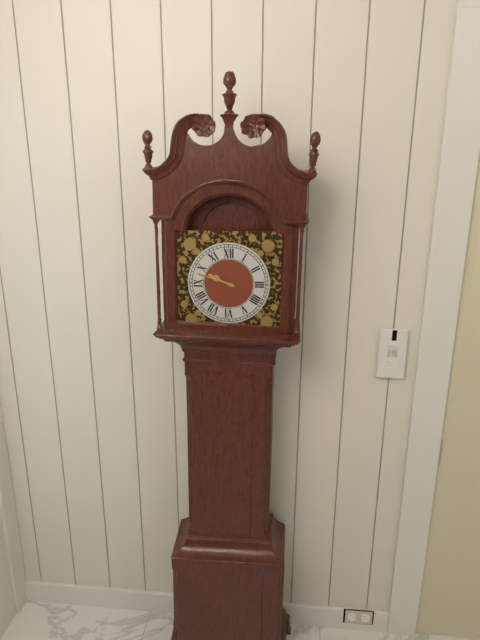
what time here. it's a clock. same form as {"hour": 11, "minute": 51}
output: {"hour": 9, "minute": 48}
